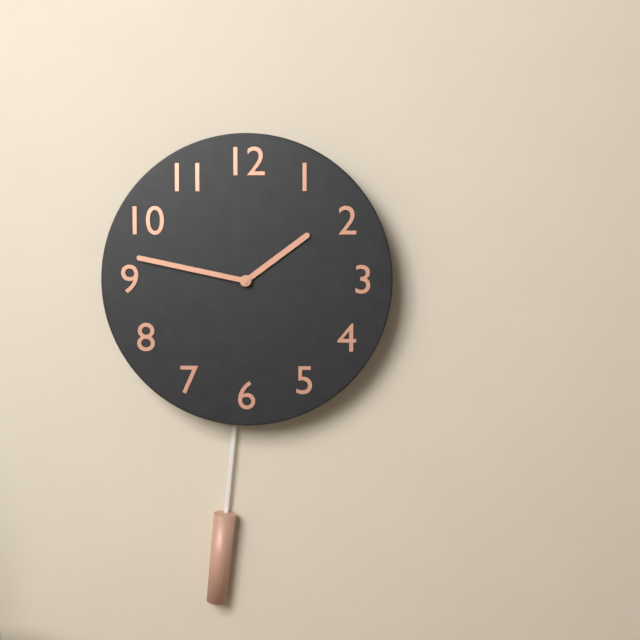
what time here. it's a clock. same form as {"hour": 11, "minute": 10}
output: {"hour": 1, "minute": 47}
